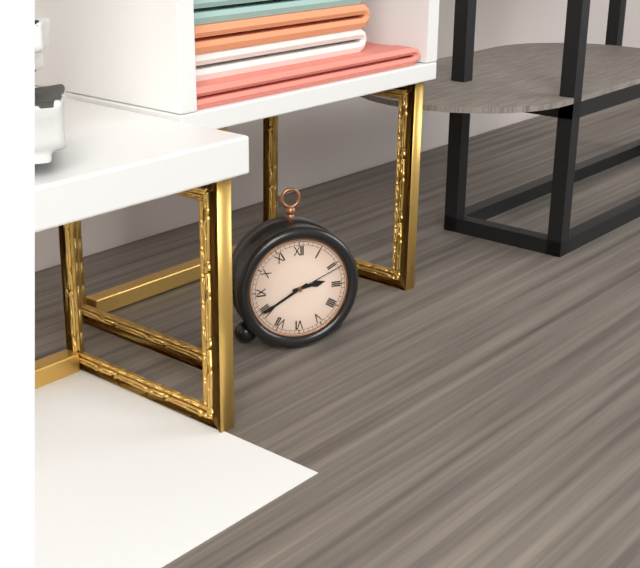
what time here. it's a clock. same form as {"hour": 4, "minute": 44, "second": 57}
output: {"hour": 2, "minute": 40, "second": 11}
